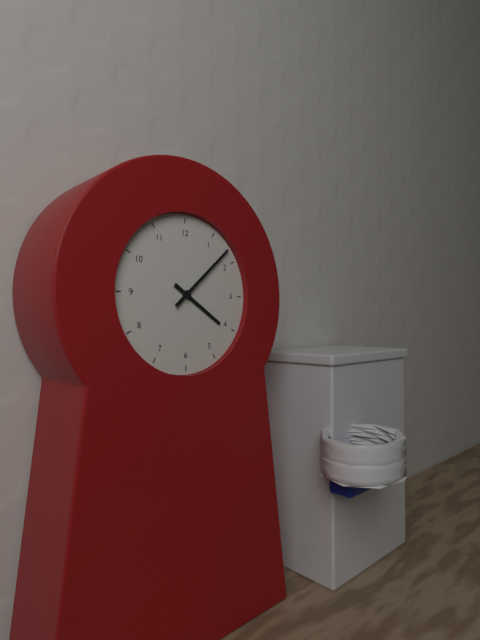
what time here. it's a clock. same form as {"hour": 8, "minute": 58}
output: {"hour": 4, "minute": 8}
